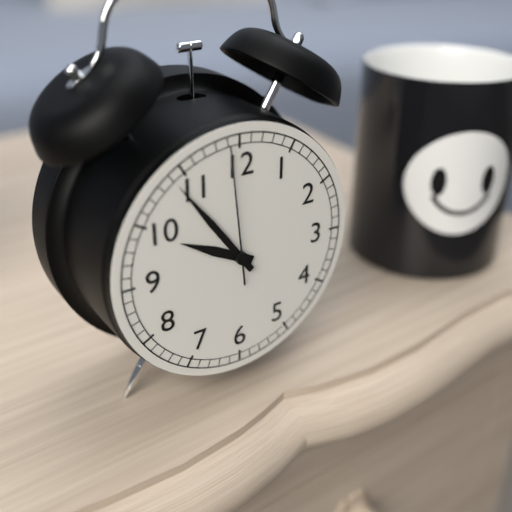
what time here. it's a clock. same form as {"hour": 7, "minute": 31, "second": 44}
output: {"hour": 9, "minute": 54, "second": 59}
